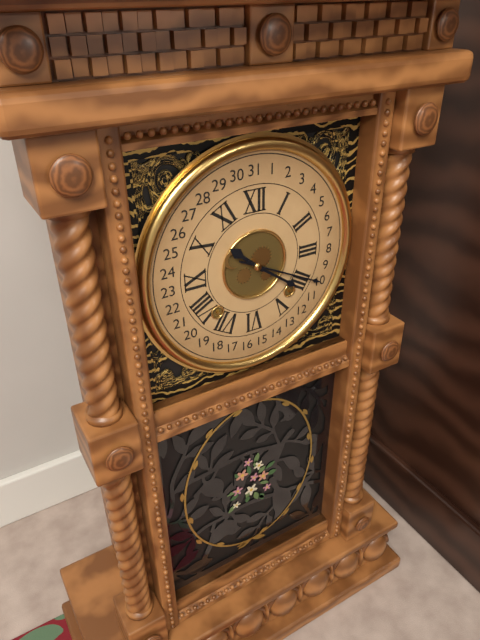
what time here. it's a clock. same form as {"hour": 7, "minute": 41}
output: {"hour": 10, "minute": 21}
